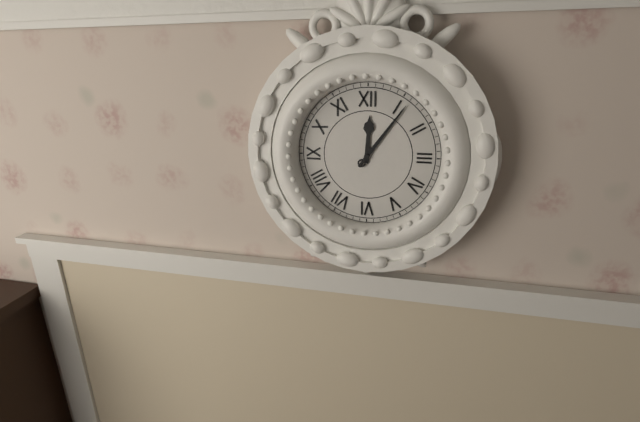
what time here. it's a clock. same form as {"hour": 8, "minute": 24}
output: {"hour": 12, "minute": 6}
